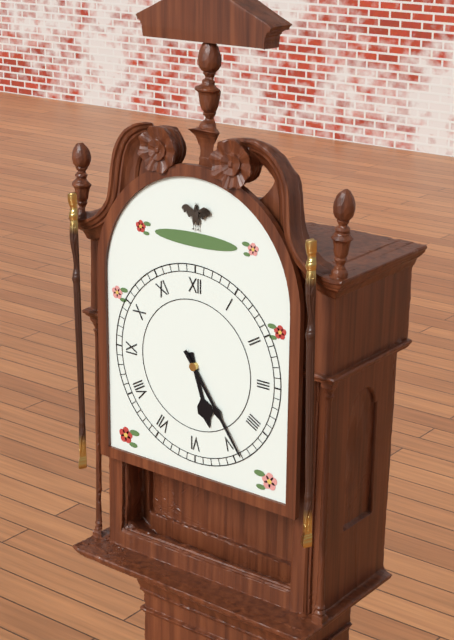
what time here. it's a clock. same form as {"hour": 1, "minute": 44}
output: {"hour": 5, "minute": 24}
